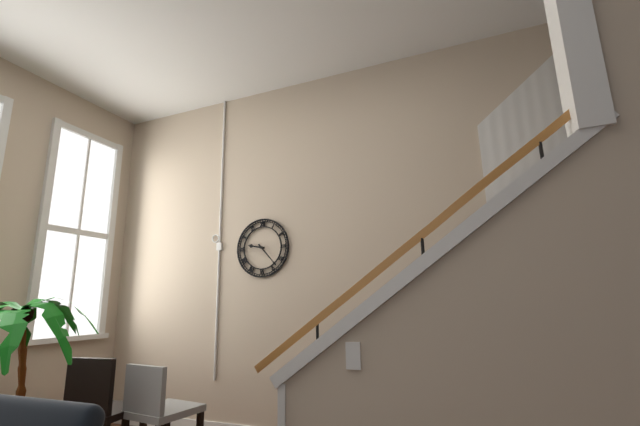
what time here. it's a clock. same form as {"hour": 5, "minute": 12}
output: {"hour": 9, "minute": 23}
